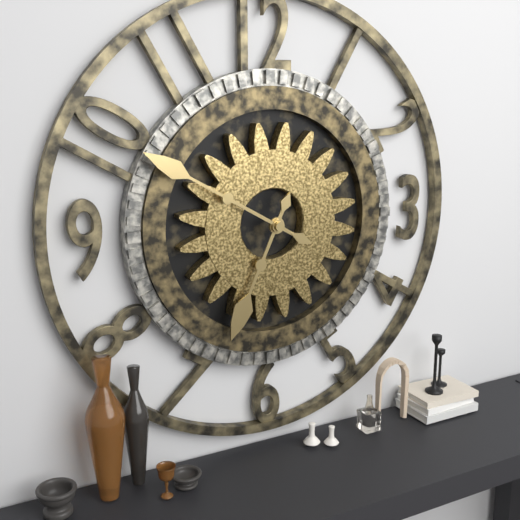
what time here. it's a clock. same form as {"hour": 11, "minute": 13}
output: {"hour": 6, "minute": 50}
